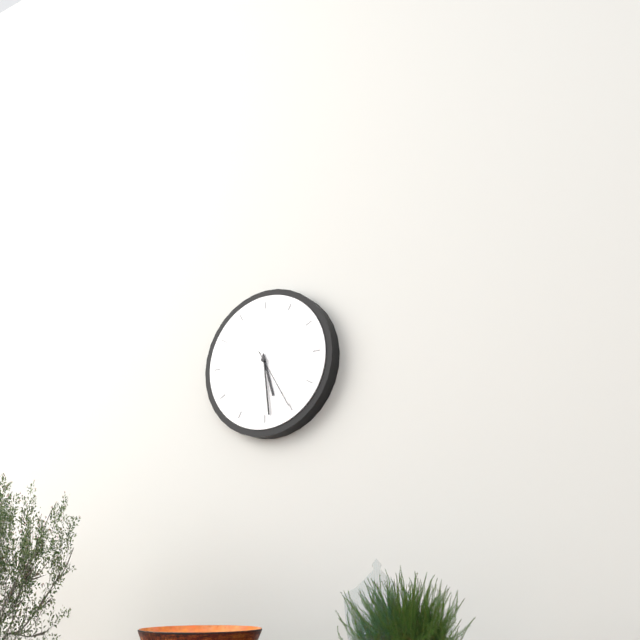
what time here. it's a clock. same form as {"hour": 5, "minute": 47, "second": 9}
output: {"hour": 5, "minute": 29, "second": 25}
